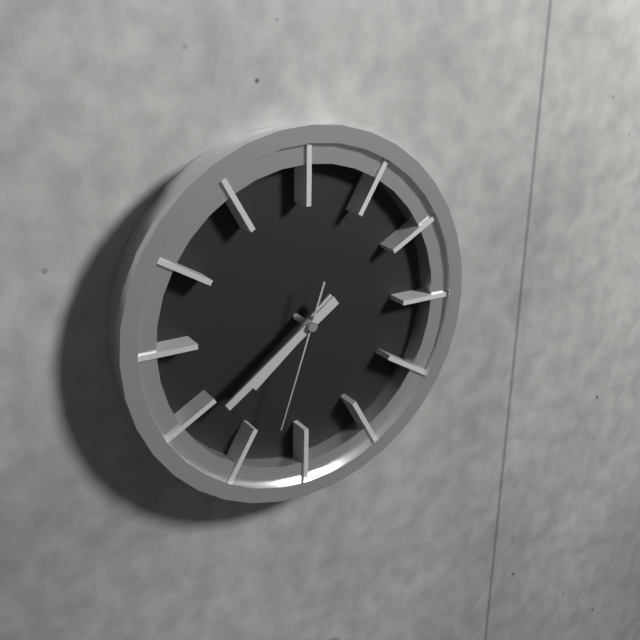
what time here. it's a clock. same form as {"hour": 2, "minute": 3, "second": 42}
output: {"hour": 7, "minute": 39, "second": 33}
